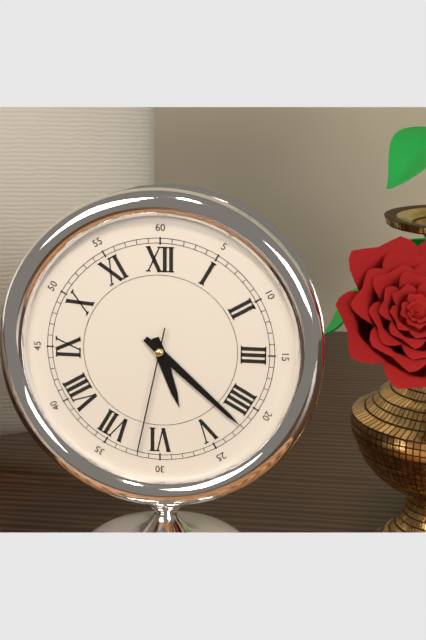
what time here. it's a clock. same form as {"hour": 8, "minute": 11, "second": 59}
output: {"hour": 5, "minute": 22, "second": 32}
